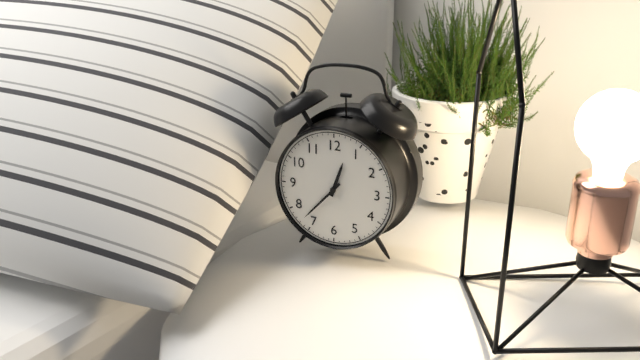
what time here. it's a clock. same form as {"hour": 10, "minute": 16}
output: {"hour": 12, "minute": 37}
